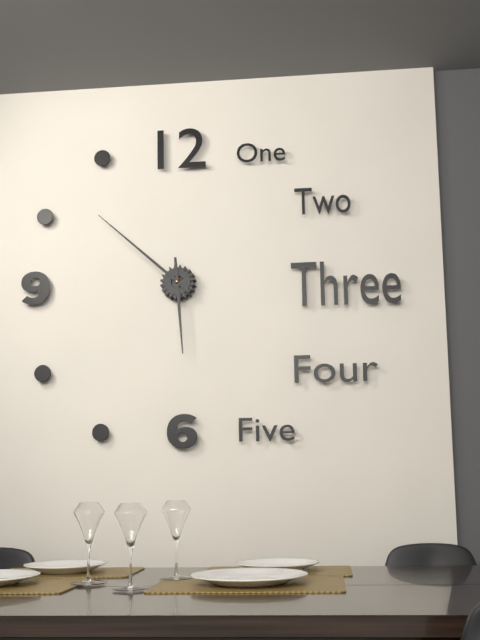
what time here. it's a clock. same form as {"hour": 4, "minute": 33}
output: {"hour": 5, "minute": 52}
